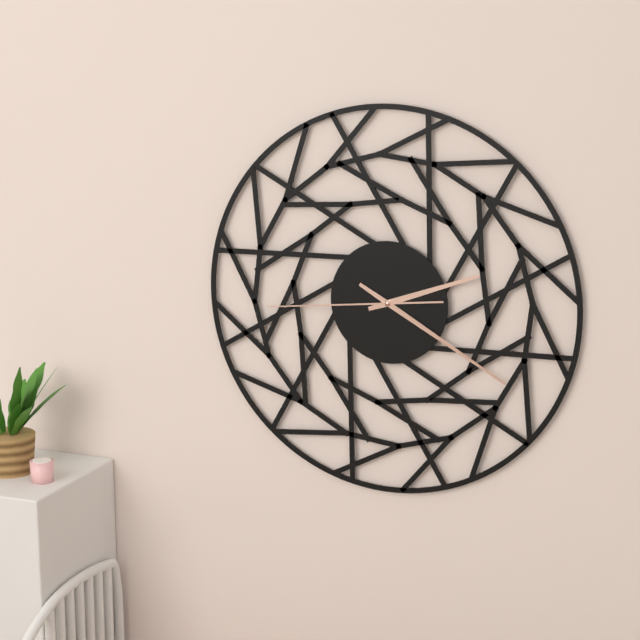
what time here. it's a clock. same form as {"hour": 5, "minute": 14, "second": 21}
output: {"hour": 2, "minute": 20, "second": 44}
